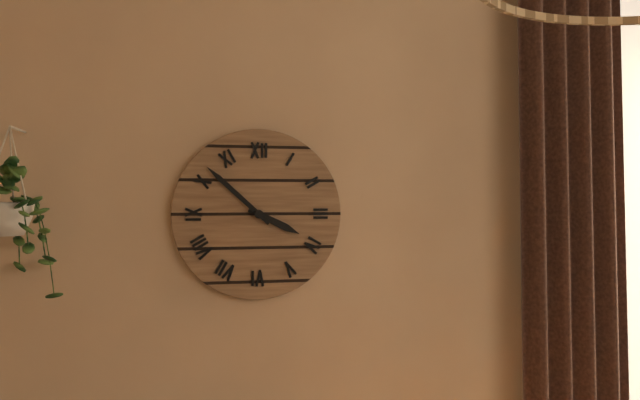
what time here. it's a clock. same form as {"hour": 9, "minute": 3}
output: {"hour": 3, "minute": 52}
